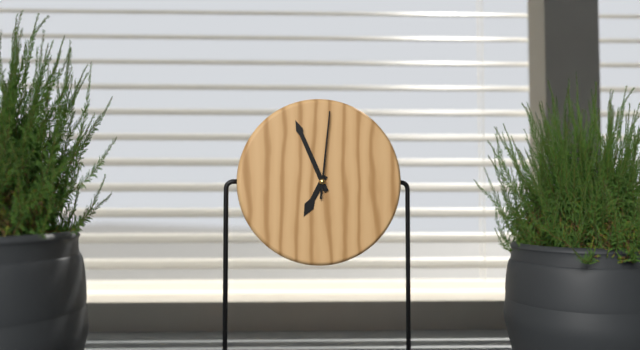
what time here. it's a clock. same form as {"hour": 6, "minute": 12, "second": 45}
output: {"hour": 6, "minute": 56, "second": 1}
